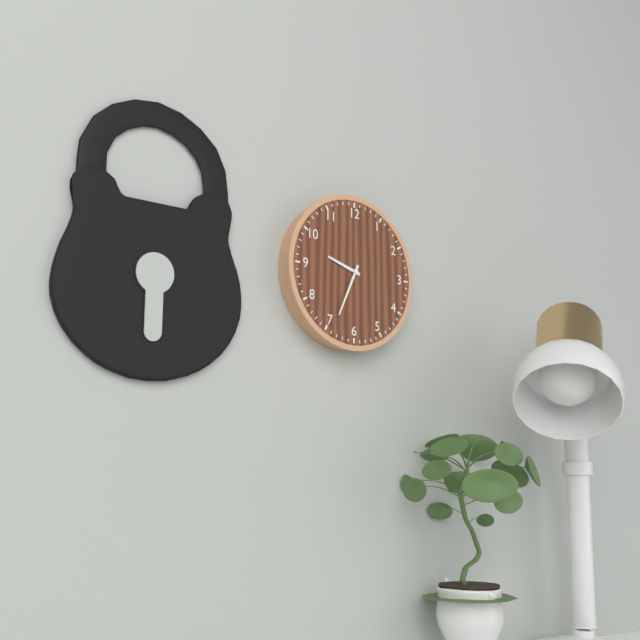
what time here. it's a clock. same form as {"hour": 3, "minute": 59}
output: {"hour": 9, "minute": 34}
